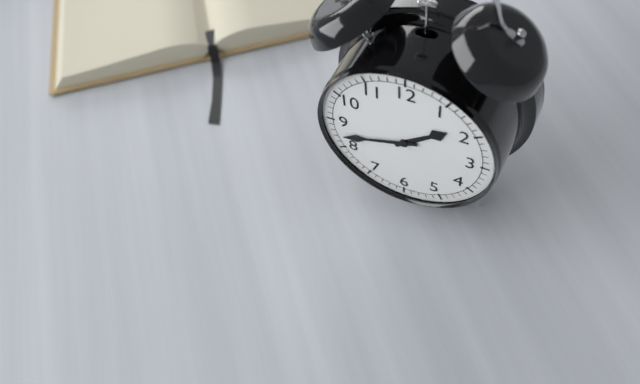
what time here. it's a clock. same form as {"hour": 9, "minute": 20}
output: {"hour": 1, "minute": 42}
